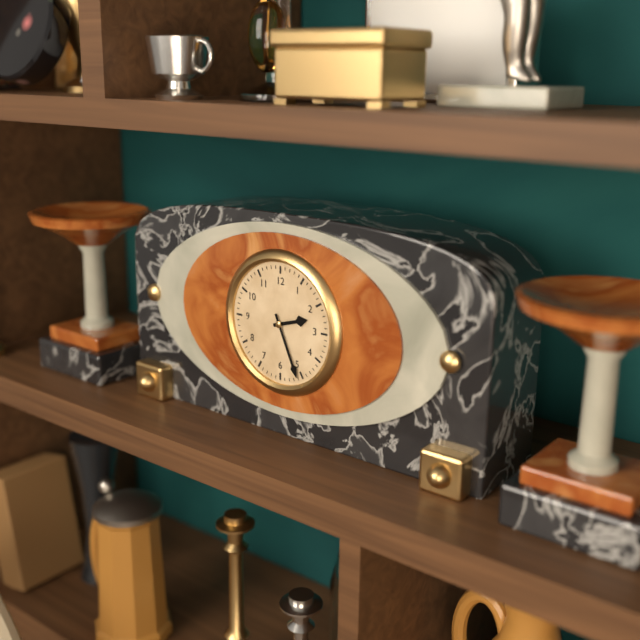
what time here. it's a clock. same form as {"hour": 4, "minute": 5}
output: {"hour": 2, "minute": 26}
